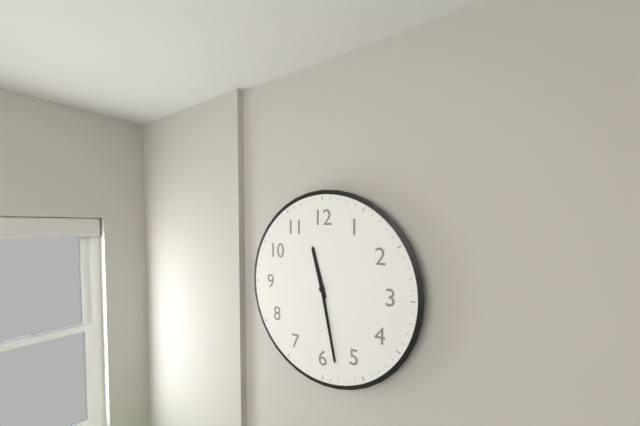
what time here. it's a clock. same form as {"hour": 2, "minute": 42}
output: {"hour": 11, "minute": 28}
